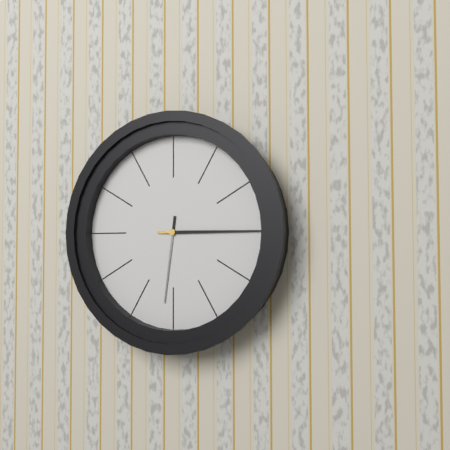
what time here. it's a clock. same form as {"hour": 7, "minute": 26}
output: {"hour": 6, "minute": 15}
